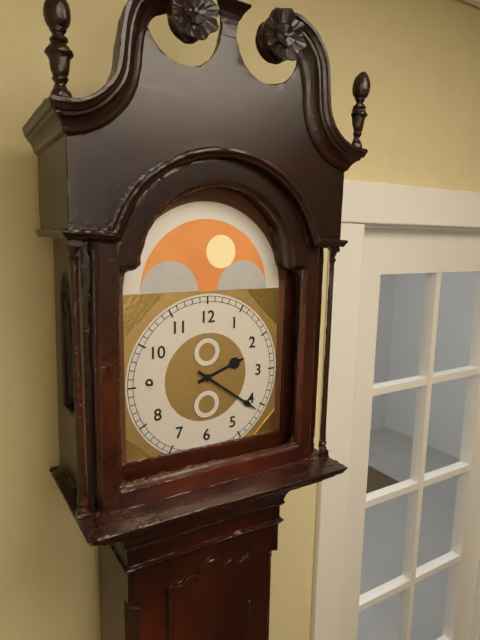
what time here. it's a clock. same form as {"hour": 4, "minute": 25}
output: {"hour": 2, "minute": 21}
